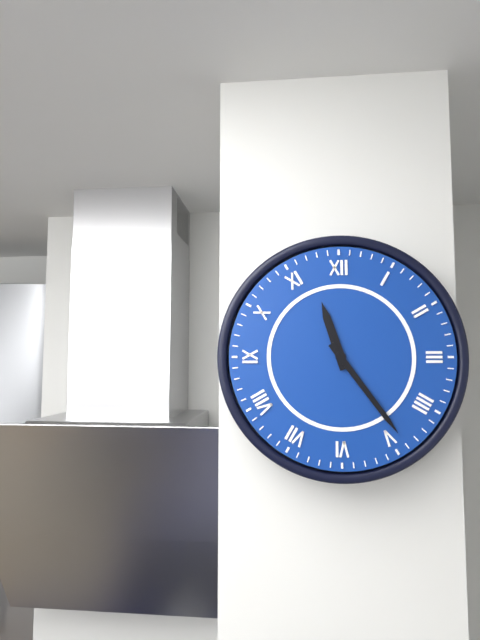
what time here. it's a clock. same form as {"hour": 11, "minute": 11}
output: {"hour": 11, "minute": 24}
